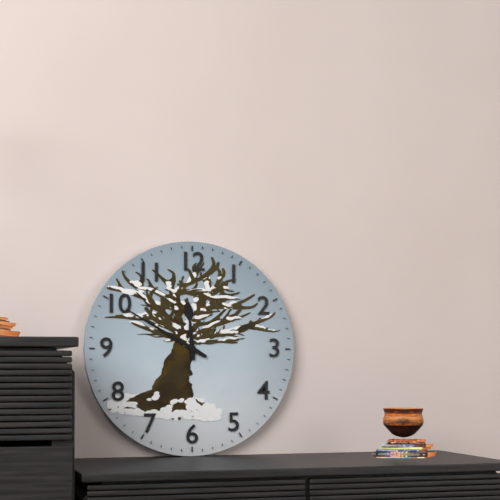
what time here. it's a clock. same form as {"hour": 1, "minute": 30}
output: {"hour": 11, "minute": 50}
